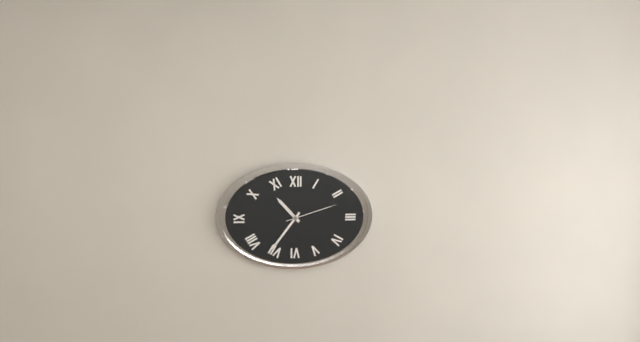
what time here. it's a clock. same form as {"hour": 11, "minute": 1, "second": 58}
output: {"hour": 10, "minute": 36, "second": 12}
